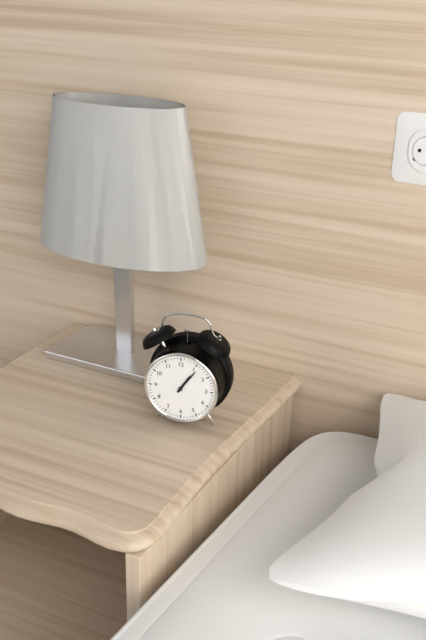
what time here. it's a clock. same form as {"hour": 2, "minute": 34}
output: {"hour": 1, "minute": 6}
